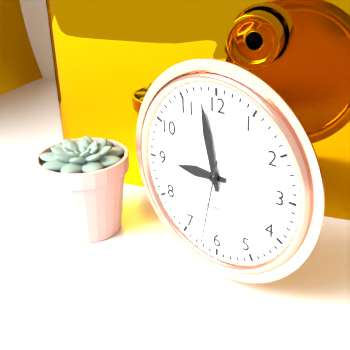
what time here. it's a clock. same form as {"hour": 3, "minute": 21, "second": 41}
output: {"hour": 8, "minute": 58, "second": 32}
